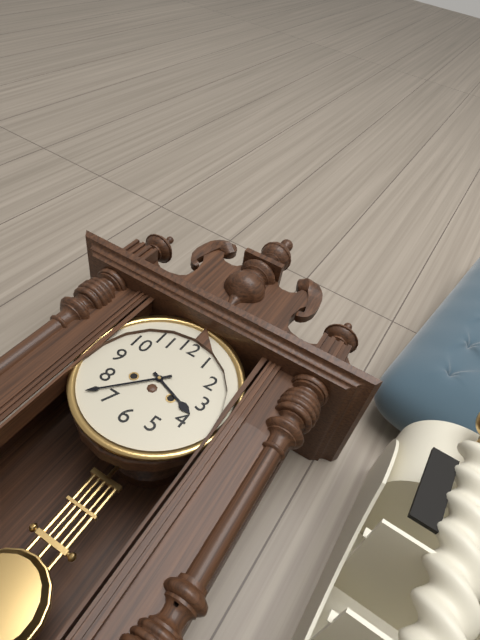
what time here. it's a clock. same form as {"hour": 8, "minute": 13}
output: {"hour": 3, "minute": 37}
